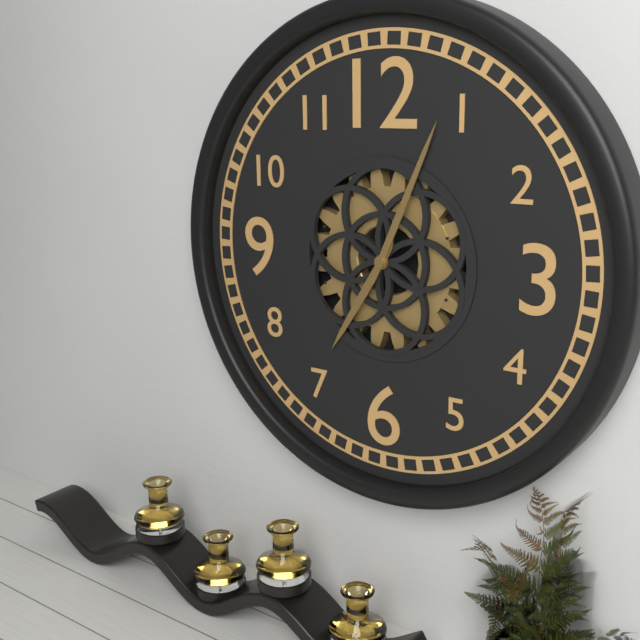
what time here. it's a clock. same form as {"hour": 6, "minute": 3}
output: {"hour": 7, "minute": 4}
